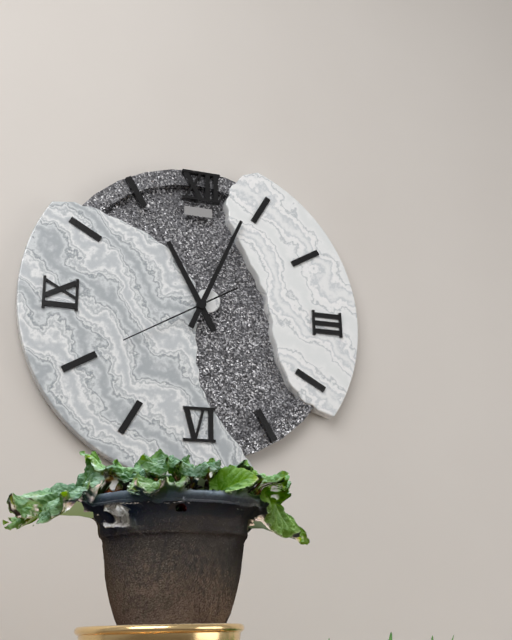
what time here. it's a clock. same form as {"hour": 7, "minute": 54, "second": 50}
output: {"hour": 11, "minute": 4, "second": 40}
